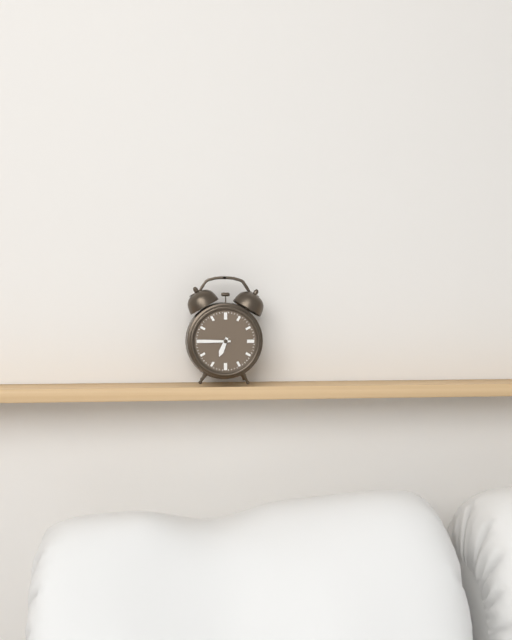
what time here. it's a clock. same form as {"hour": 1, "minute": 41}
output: {"hour": 6, "minute": 45}
